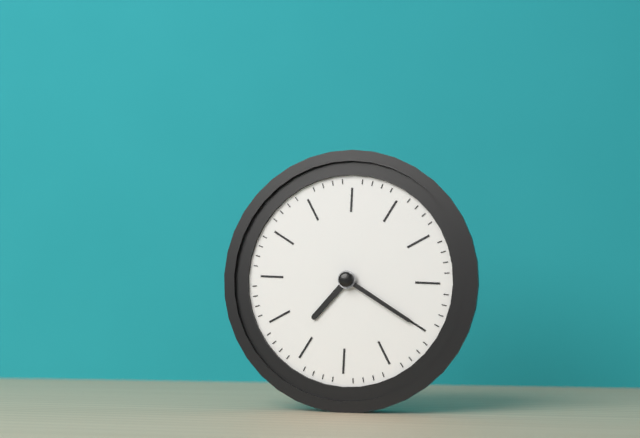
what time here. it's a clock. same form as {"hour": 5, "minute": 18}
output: {"hour": 7, "minute": 20}
